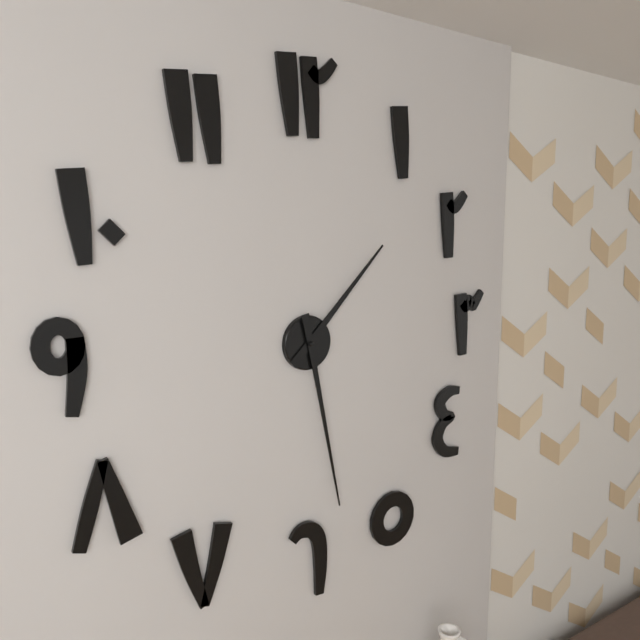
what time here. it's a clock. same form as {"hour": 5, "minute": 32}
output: {"hour": 1, "minute": 28}
